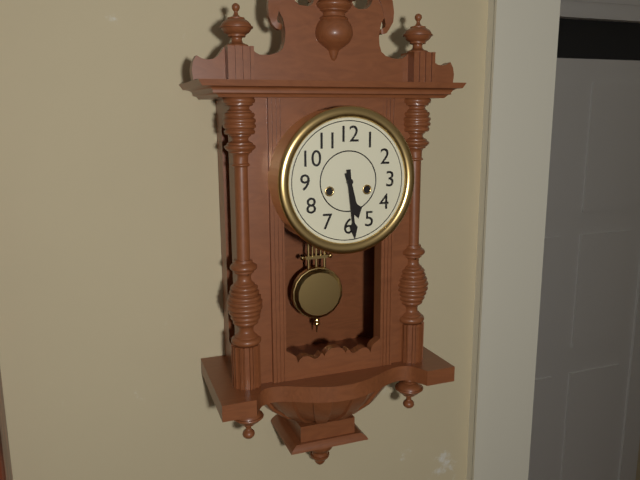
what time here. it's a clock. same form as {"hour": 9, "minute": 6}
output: {"hour": 5, "minute": 29}
